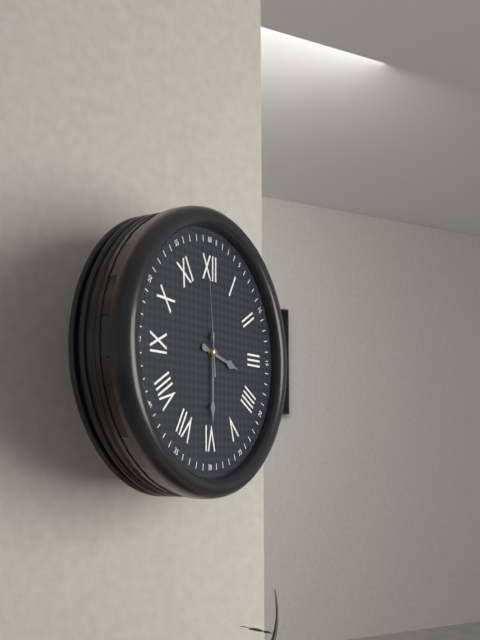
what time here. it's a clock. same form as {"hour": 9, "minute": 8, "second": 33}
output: {"hour": 3, "minute": 30, "second": 59}
